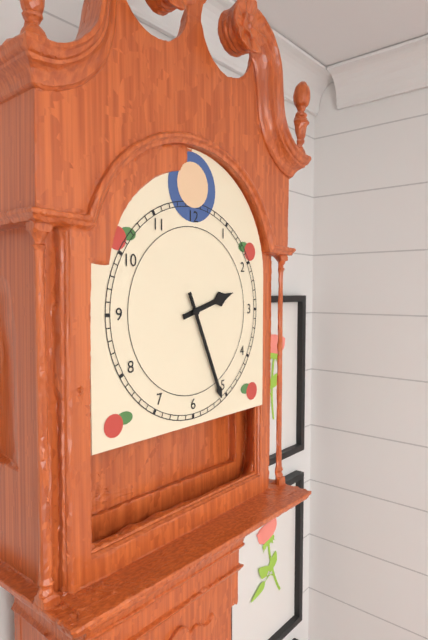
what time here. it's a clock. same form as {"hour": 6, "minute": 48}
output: {"hour": 2, "minute": 26}
